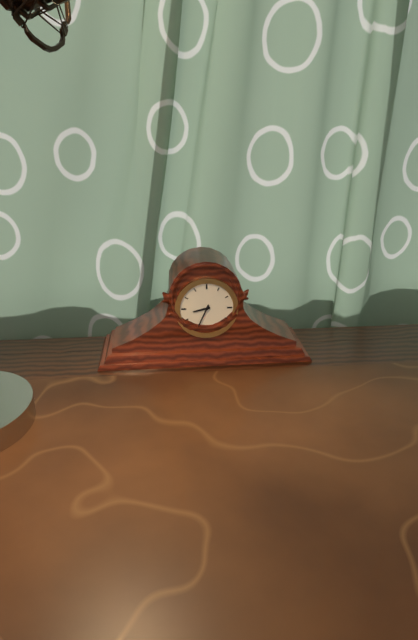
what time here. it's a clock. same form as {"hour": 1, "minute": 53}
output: {"hour": 8, "minute": 34}
